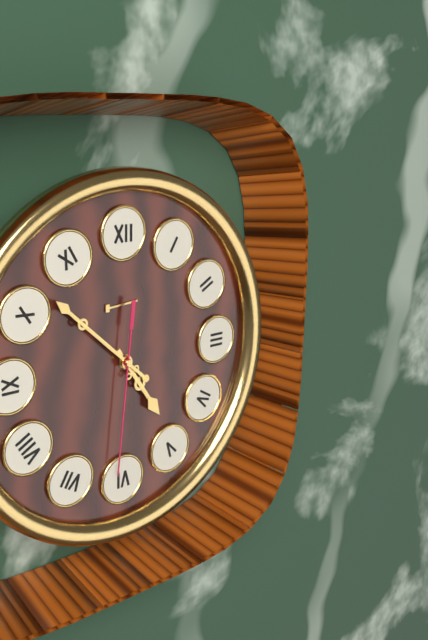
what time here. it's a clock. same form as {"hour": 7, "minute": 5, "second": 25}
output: {"hour": 4, "minute": 52, "second": 31}
